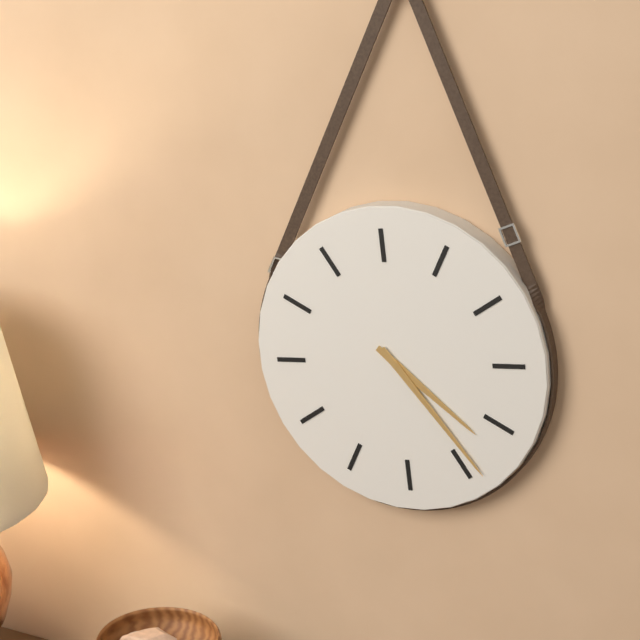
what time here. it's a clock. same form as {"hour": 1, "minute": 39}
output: {"hour": 4, "minute": 24}
